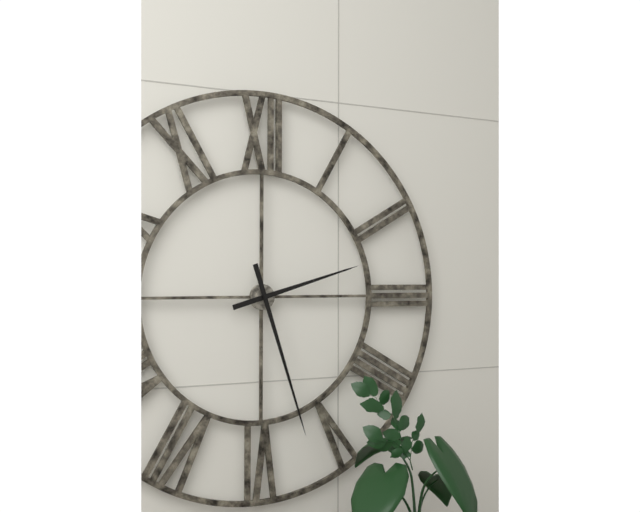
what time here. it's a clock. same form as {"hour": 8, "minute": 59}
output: {"hour": 2, "minute": 27}
